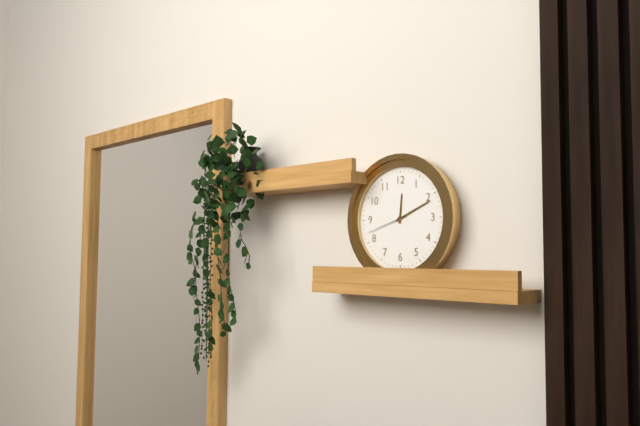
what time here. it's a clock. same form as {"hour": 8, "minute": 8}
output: {"hour": 12, "minute": 11}
